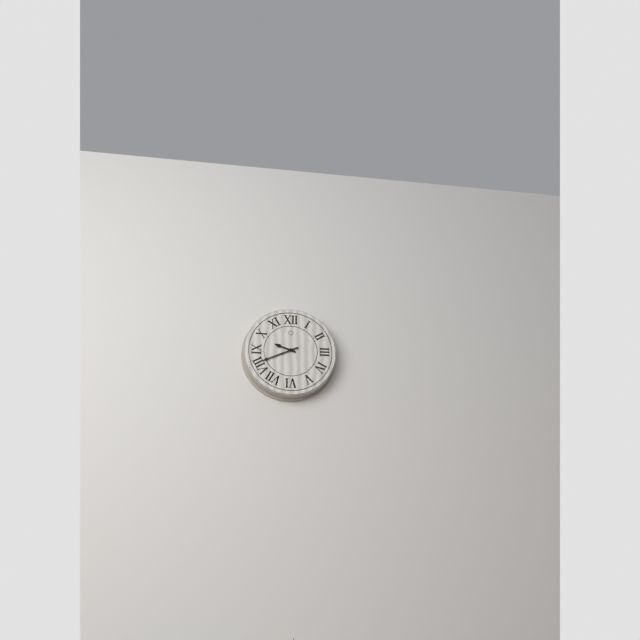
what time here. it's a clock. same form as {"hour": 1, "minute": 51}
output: {"hour": 9, "minute": 41}
